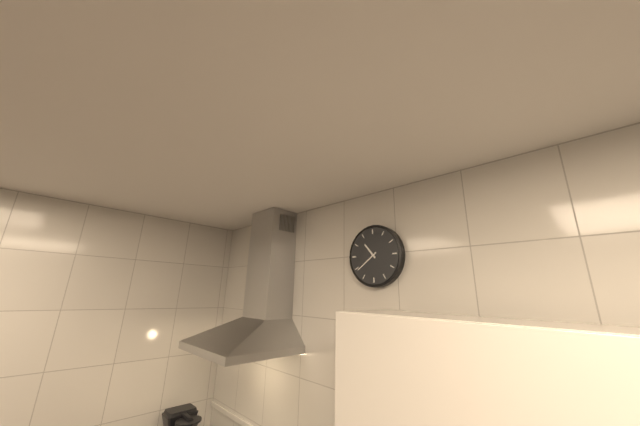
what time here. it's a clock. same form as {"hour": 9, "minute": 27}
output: {"hour": 10, "minute": 39}
